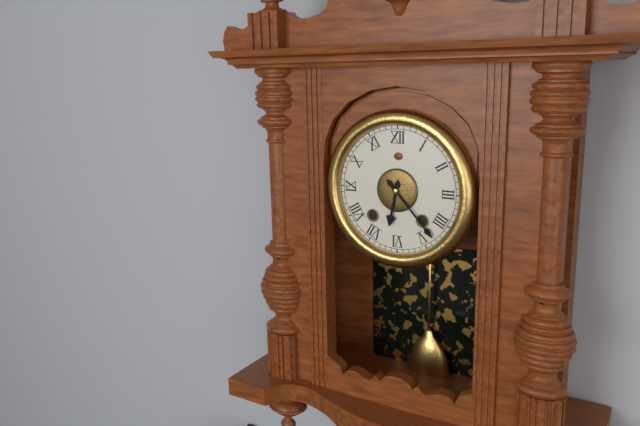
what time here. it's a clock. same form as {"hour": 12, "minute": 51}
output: {"hour": 6, "minute": 23}
